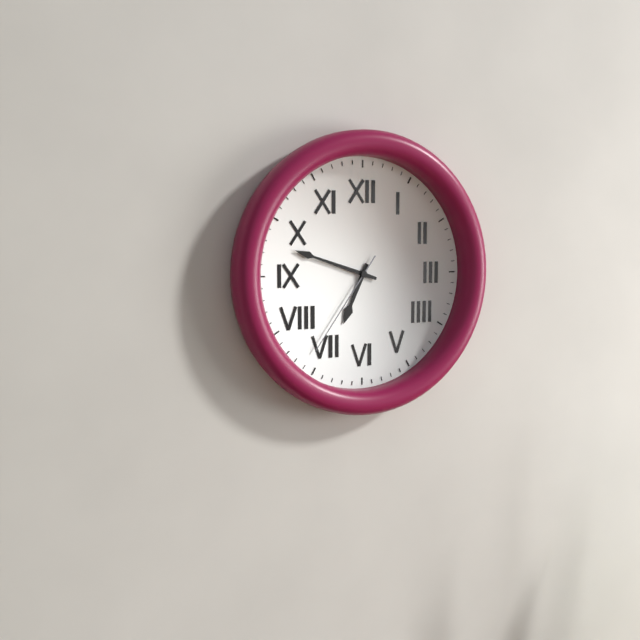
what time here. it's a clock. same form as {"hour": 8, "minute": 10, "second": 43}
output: {"hour": 6, "minute": 48, "second": 36}
